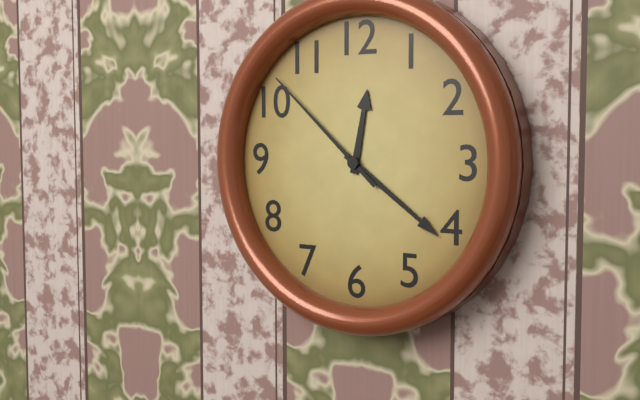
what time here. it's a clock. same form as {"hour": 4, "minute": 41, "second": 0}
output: {"hour": 12, "minute": 21, "second": 52}
